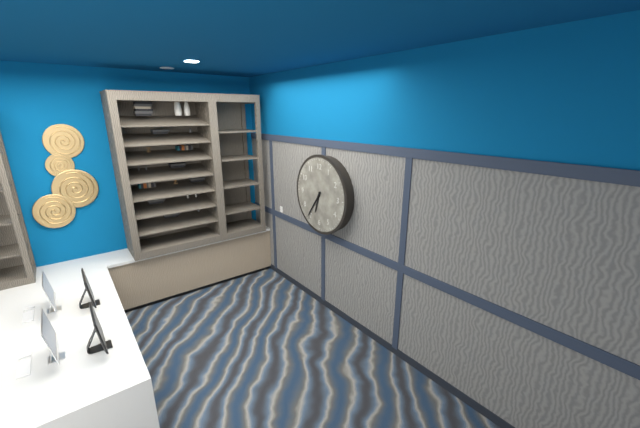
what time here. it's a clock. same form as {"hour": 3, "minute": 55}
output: {"hour": 6, "minute": 36}
